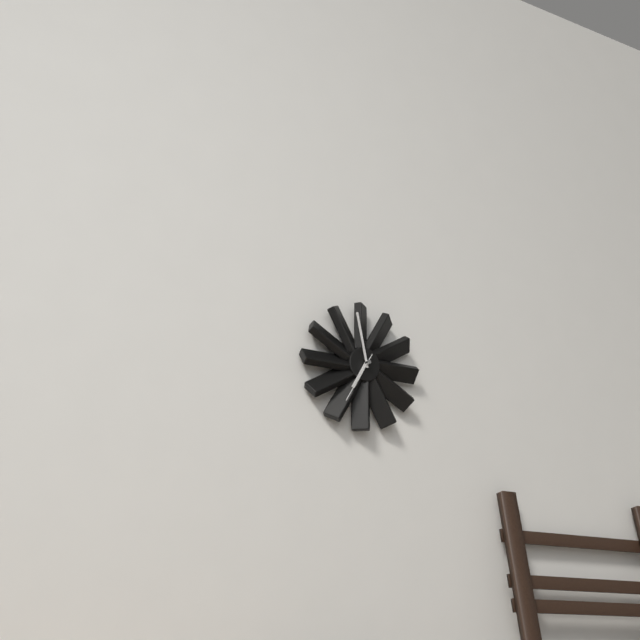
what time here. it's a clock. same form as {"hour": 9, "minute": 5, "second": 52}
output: {"hour": 6, "minute": 58, "second": 35}
